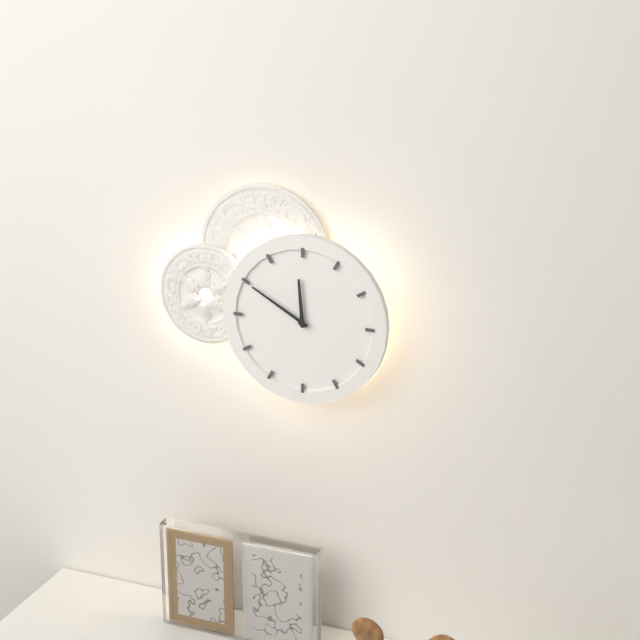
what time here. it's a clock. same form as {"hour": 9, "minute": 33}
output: {"hour": 11, "minute": 50}
